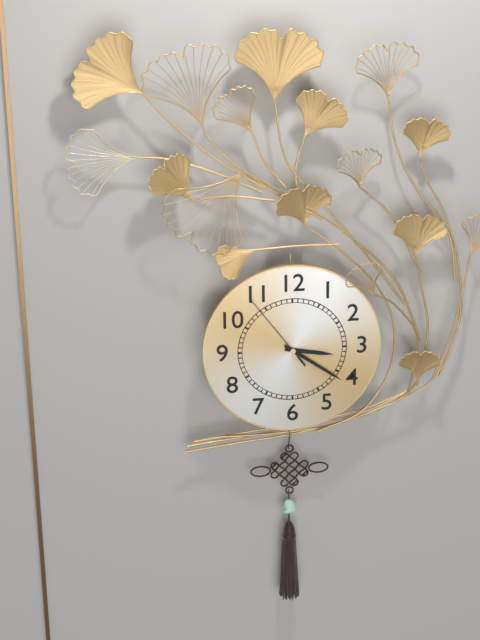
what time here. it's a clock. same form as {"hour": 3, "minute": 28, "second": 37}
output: {"hour": 3, "minute": 21, "second": 54}
